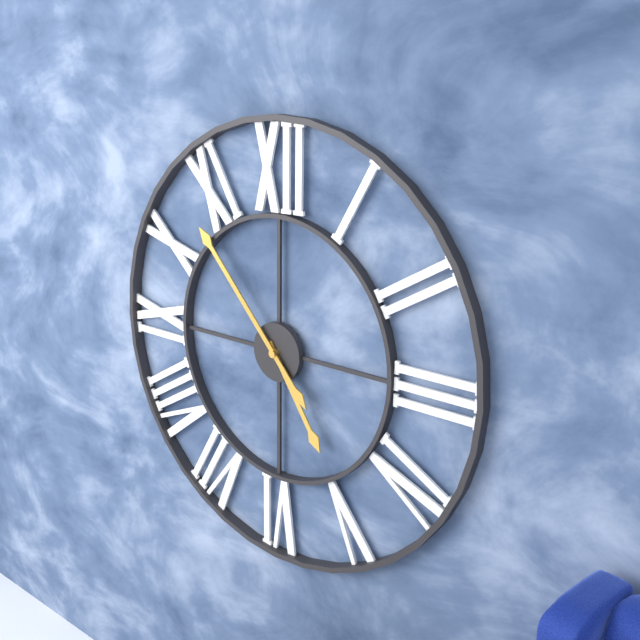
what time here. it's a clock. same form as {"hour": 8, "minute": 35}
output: {"hour": 4, "minute": 53}
